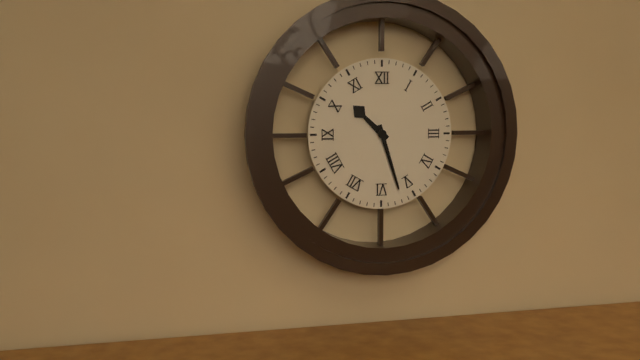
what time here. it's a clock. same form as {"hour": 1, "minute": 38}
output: {"hour": 10, "minute": 27}
